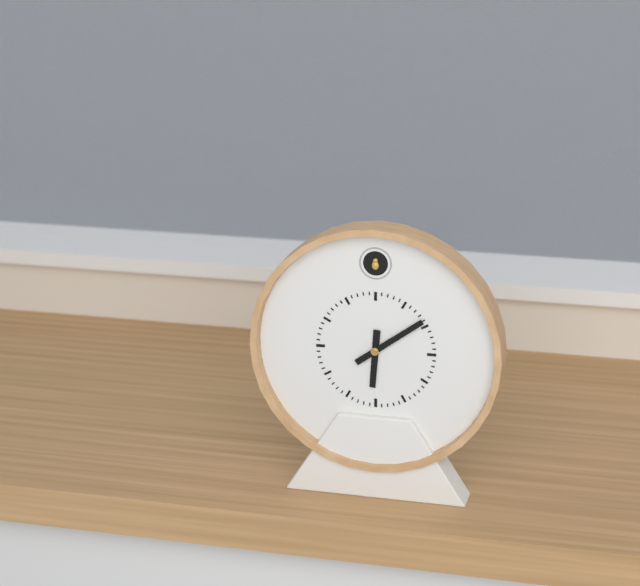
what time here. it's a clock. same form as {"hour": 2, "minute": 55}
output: {"hour": 6, "minute": 9}
